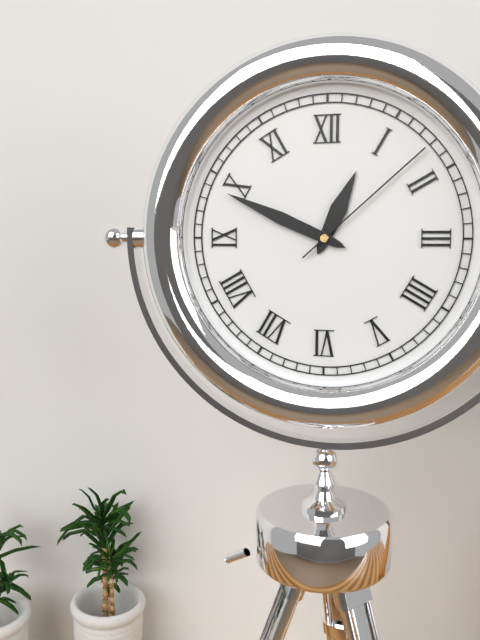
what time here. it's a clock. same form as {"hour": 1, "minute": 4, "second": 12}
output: {"hour": 12, "minute": 49, "second": 8}
